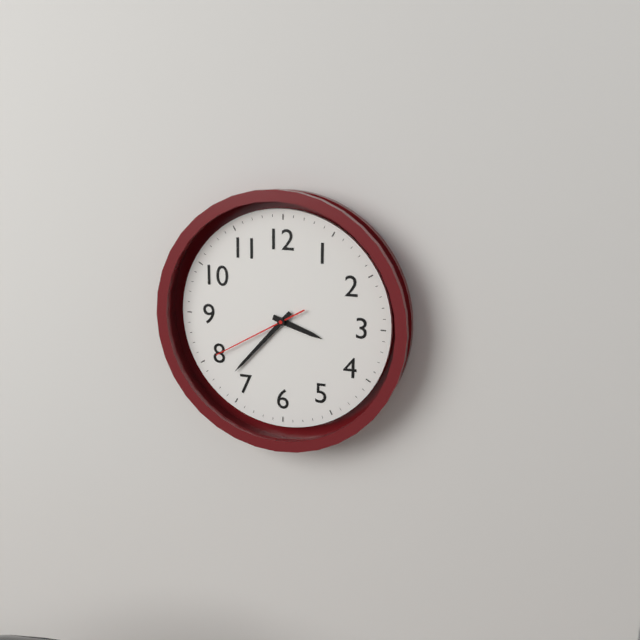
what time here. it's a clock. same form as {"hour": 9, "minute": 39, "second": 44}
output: {"hour": 3, "minute": 37, "second": 40}
